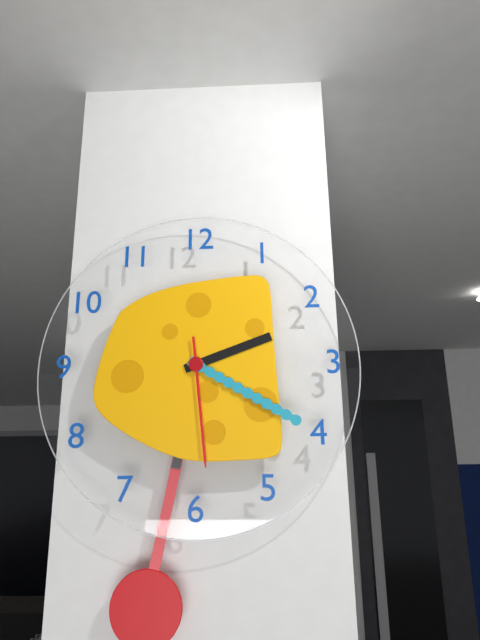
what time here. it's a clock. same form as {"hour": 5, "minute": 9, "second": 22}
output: {"hour": 2, "minute": 20, "second": 29}
